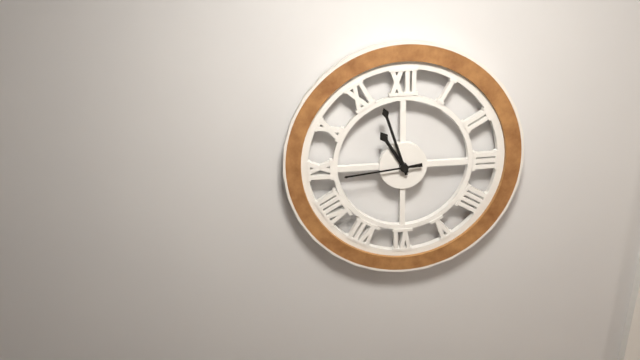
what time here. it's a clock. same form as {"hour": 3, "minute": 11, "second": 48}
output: {"hour": 10, "minute": 57, "second": 44}
